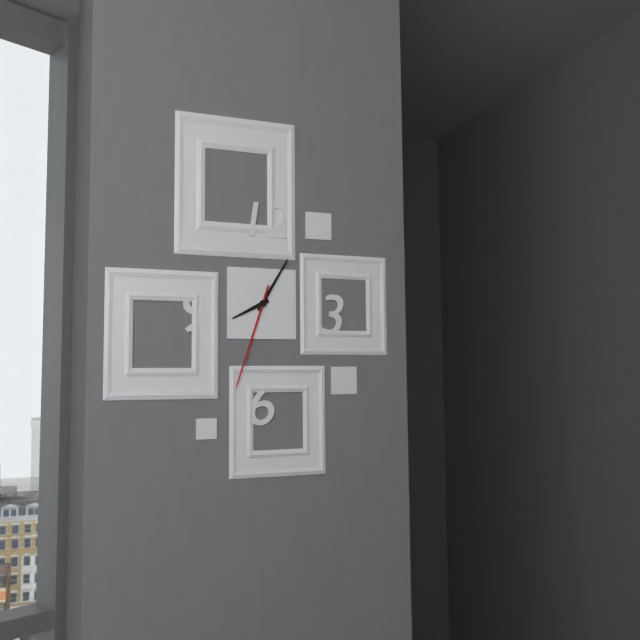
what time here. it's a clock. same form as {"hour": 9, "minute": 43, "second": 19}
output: {"hour": 8, "minute": 5, "second": 33}
